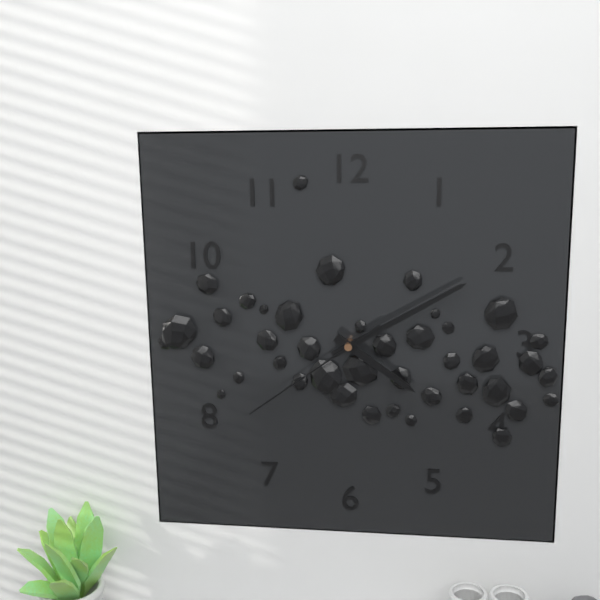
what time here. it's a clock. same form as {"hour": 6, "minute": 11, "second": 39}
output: {"hour": 4, "minute": 10, "second": 39}
